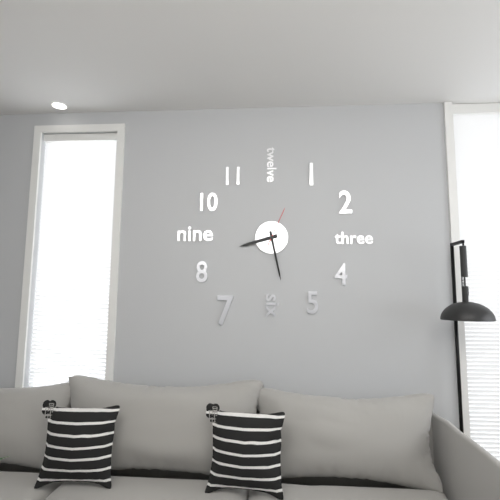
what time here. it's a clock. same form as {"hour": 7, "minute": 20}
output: {"hour": 8, "minute": 28}
